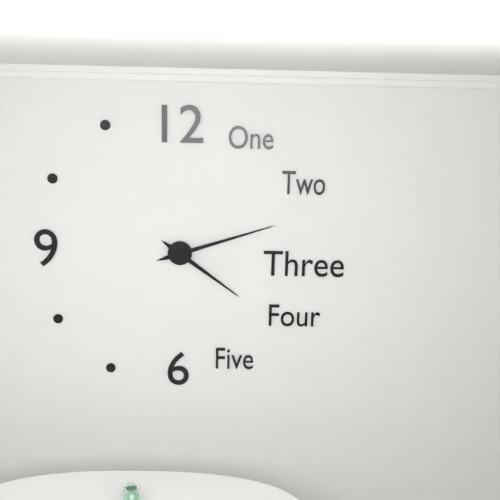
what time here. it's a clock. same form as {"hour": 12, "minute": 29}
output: {"hour": 4, "minute": 12}
